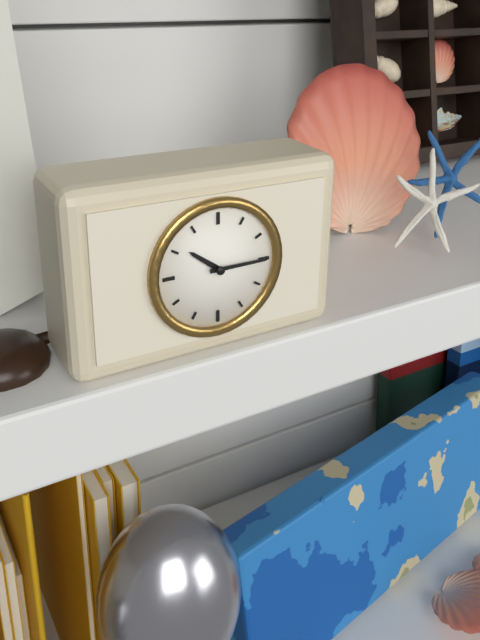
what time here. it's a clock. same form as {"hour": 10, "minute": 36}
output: {"hour": 10, "minute": 15}
